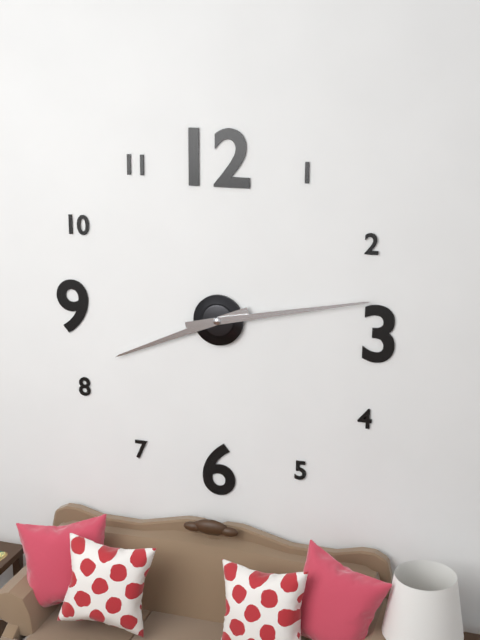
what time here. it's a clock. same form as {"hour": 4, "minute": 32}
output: {"hour": 8, "minute": 13}
